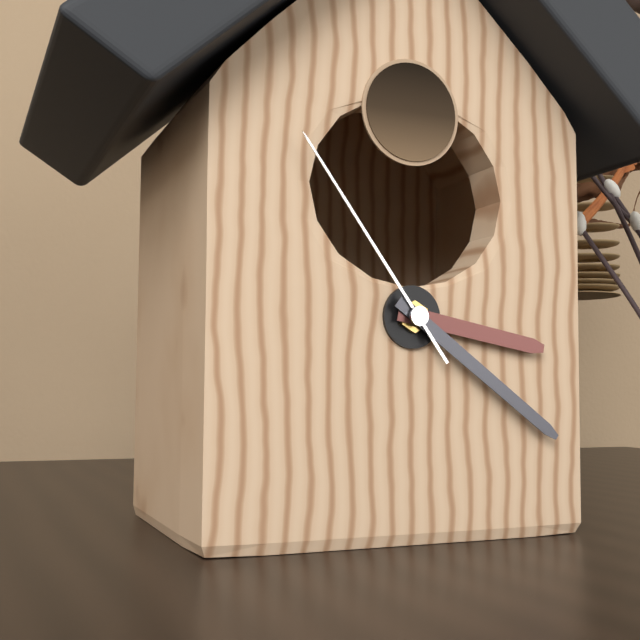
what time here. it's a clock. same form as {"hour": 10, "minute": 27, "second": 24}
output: {"hour": 3, "minute": 21, "second": 54}
